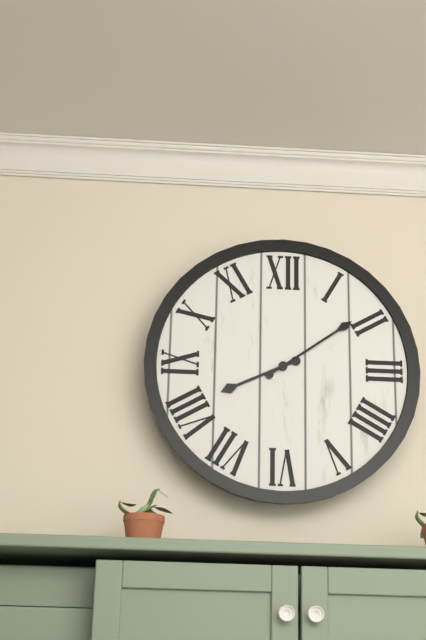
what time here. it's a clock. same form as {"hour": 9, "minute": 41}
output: {"hour": 8, "minute": 9}
